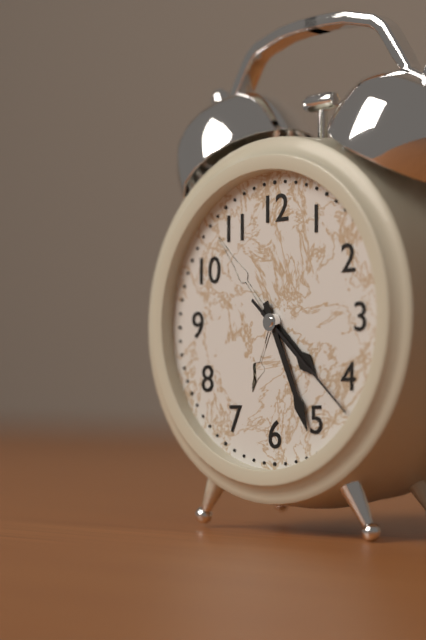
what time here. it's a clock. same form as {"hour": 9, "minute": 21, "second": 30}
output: {"hour": 4, "minute": 26, "second": 22}
